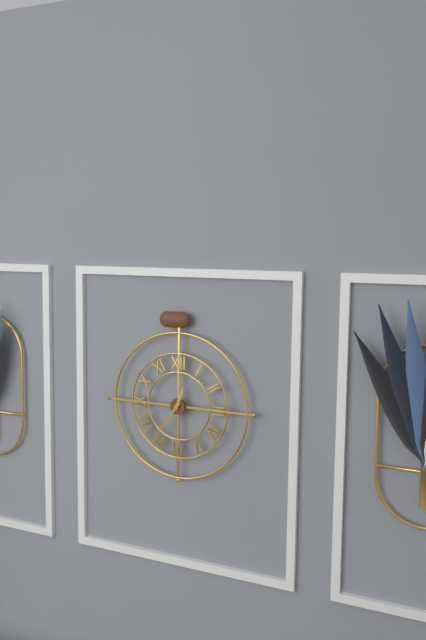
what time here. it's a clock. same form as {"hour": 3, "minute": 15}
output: {"hour": 12, "minute": 36}
